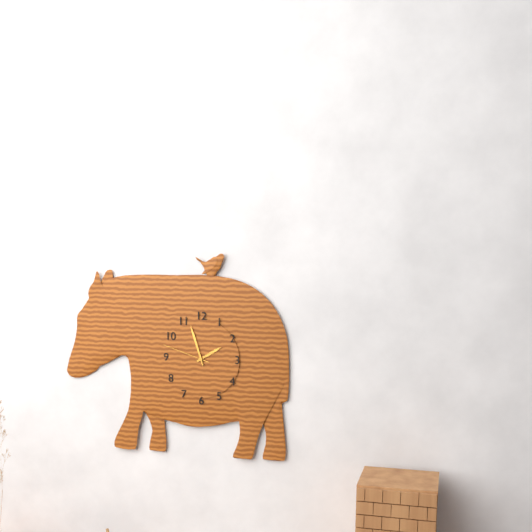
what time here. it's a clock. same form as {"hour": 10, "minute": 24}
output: {"hour": 1, "minute": 57}
